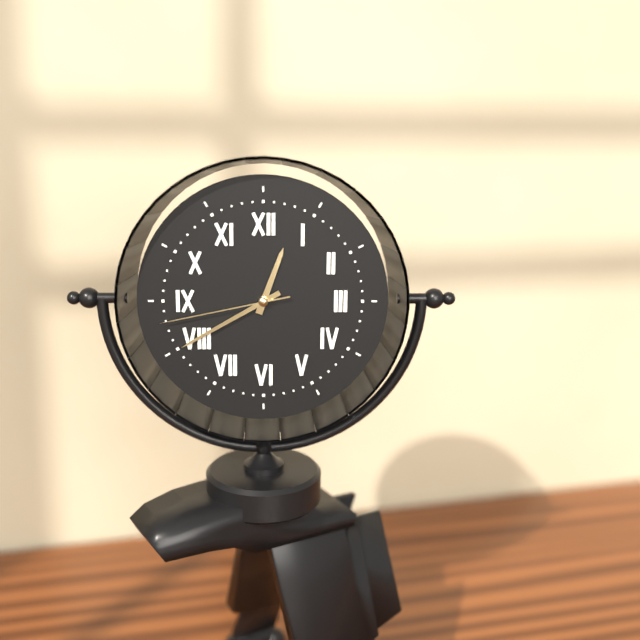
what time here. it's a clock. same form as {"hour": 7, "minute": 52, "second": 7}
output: {"hour": 12, "minute": 40, "second": 43}
